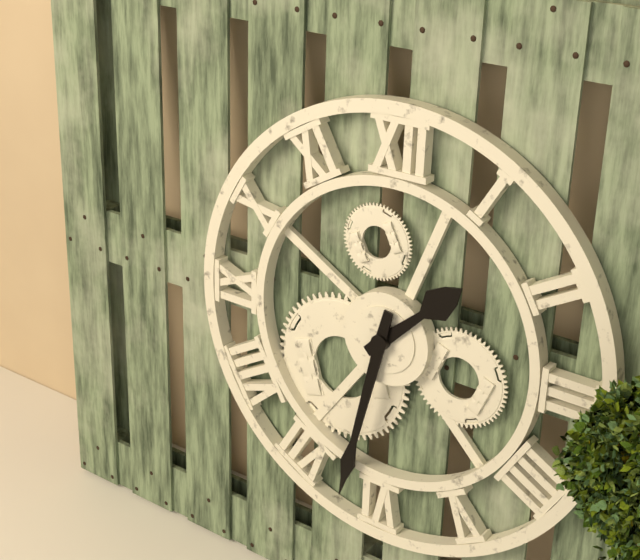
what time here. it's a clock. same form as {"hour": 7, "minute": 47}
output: {"hour": 1, "minute": 32}
